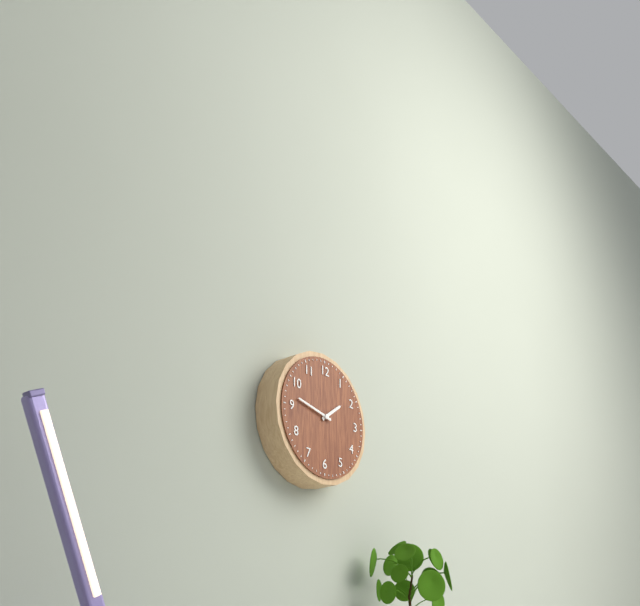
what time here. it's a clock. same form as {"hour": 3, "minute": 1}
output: {"hour": 1, "minute": 47}
